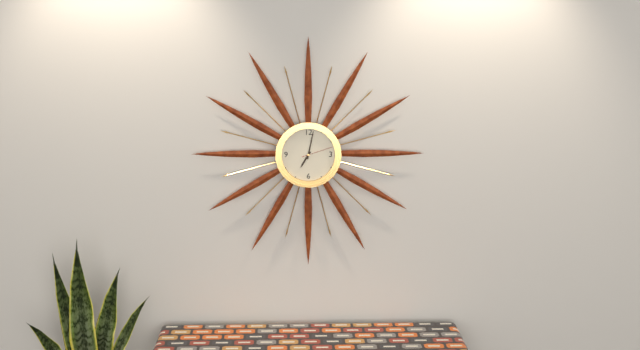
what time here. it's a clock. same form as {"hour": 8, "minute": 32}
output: {"hour": 7, "minute": 2}
